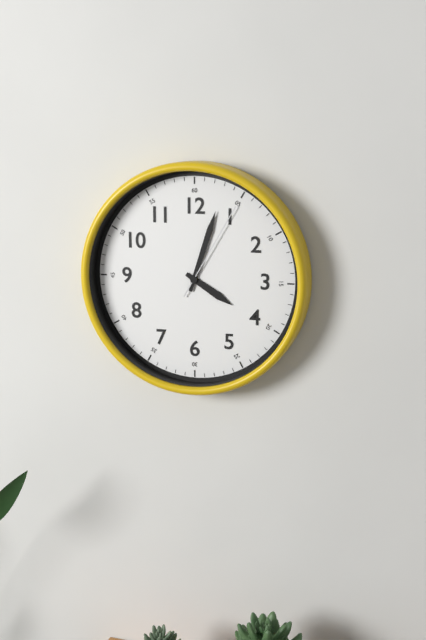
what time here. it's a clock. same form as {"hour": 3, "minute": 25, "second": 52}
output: {"hour": 4, "minute": 3, "second": 5}
